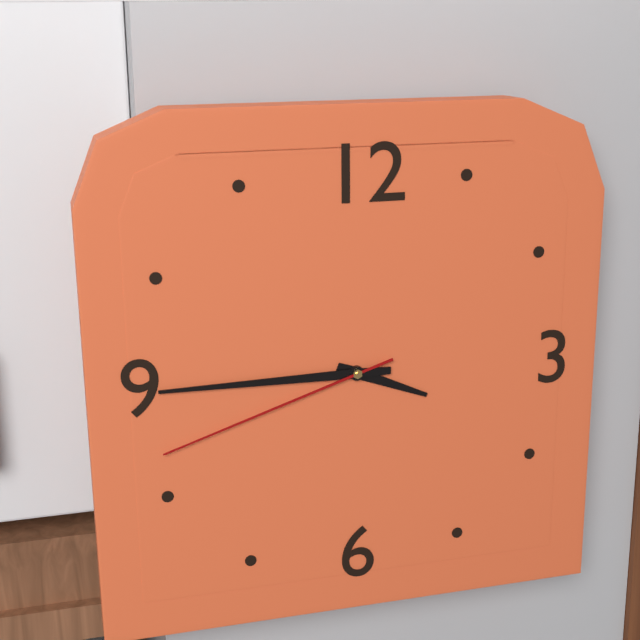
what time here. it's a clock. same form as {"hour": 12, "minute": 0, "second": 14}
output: {"hour": 3, "minute": 45, "second": 42}
